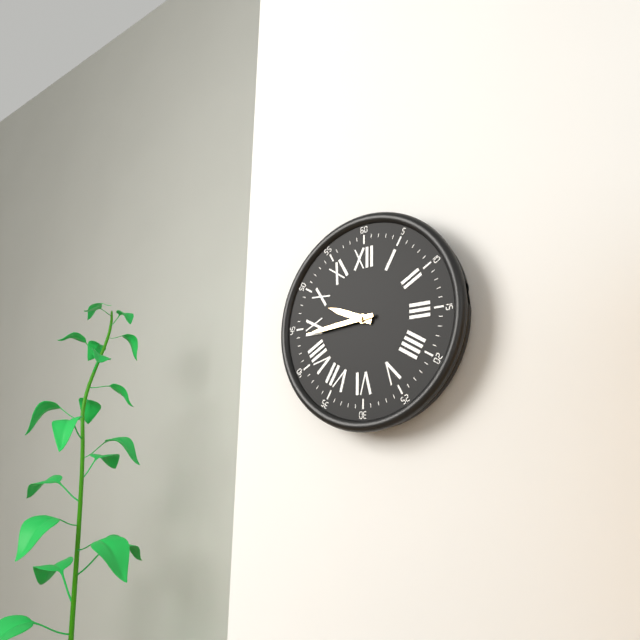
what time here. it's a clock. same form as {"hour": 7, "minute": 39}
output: {"hour": 9, "minute": 44}
